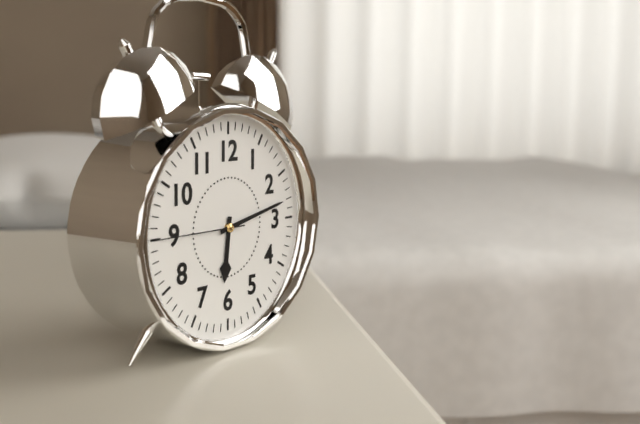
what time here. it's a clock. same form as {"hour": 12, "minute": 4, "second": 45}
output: {"hour": 6, "minute": 13, "second": 45}
